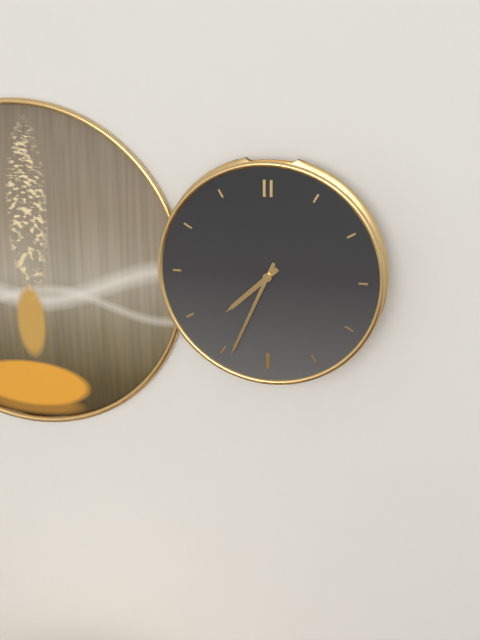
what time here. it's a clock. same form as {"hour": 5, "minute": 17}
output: {"hour": 7, "minute": 34}
